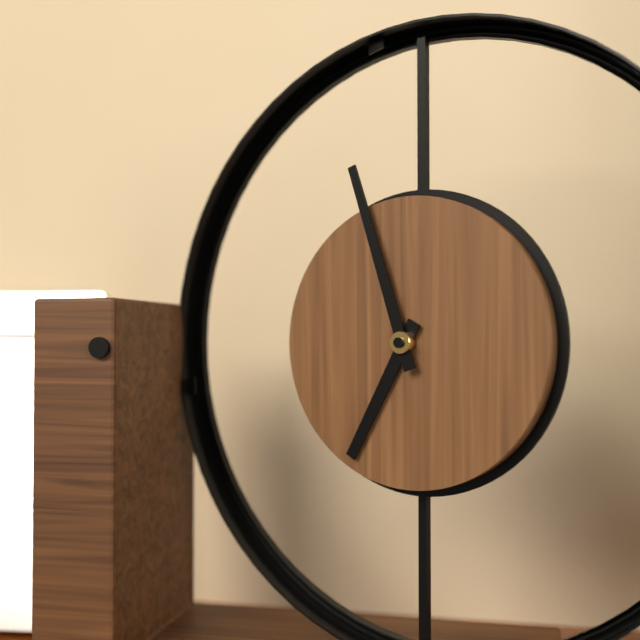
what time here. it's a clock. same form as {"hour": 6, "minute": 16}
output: {"hour": 6, "minute": 57}
